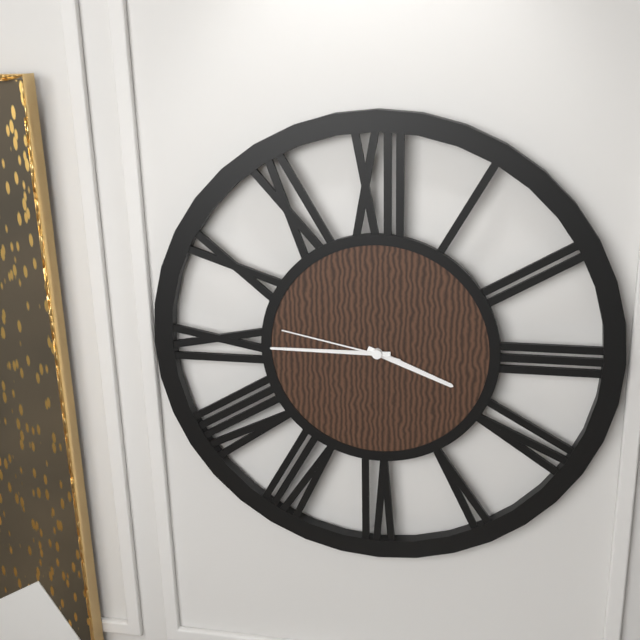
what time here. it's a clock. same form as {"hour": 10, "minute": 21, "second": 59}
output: {"hour": 3, "minute": 45, "second": 47}
